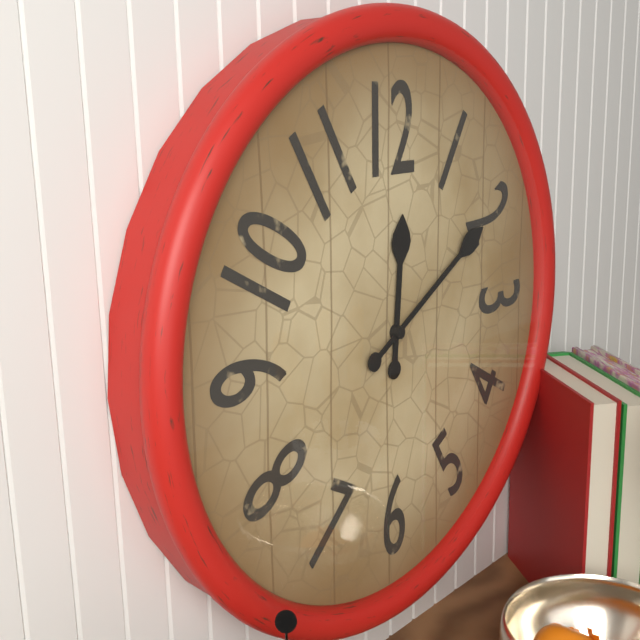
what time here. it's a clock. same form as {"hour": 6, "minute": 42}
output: {"hour": 12, "minute": 10}
